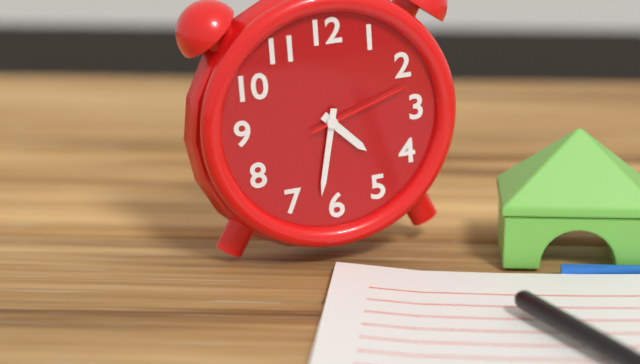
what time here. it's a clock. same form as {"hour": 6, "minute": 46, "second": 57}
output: {"hour": 4, "minute": 32, "second": 12}
